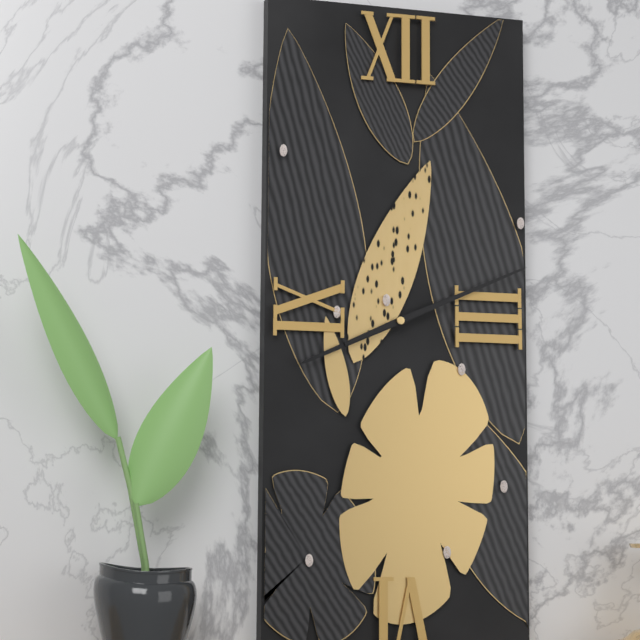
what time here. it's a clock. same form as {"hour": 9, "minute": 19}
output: {"hour": 8, "minute": 11}
